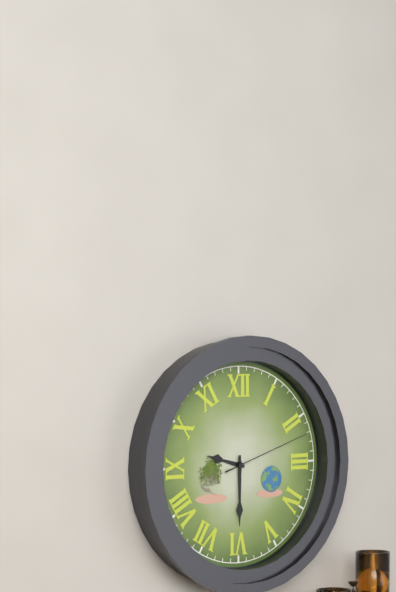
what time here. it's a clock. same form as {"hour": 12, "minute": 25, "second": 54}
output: {"hour": 9, "minute": 30, "second": 12}
